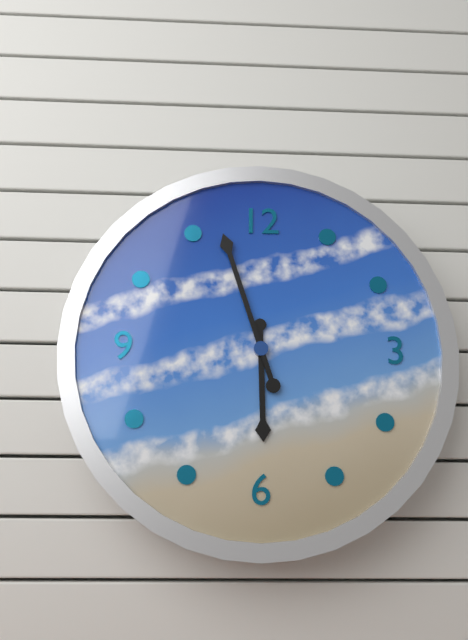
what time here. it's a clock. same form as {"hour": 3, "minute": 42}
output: {"hour": 5, "minute": 57}
